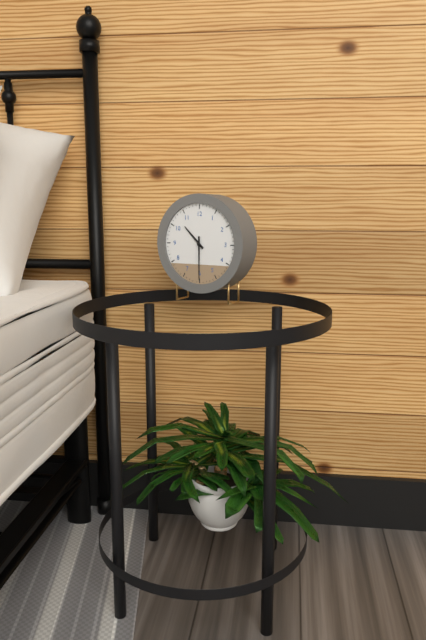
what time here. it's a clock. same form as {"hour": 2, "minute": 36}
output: {"hour": 10, "minute": 30}
